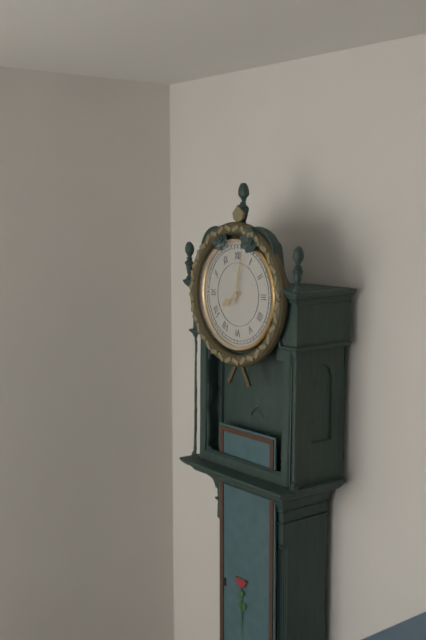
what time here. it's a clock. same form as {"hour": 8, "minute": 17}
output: {"hour": 8, "minute": 2}
